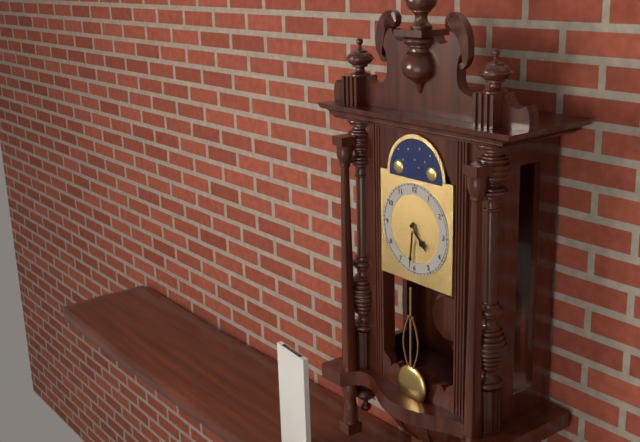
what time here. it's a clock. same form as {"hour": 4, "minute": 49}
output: {"hour": 4, "minute": 31}
